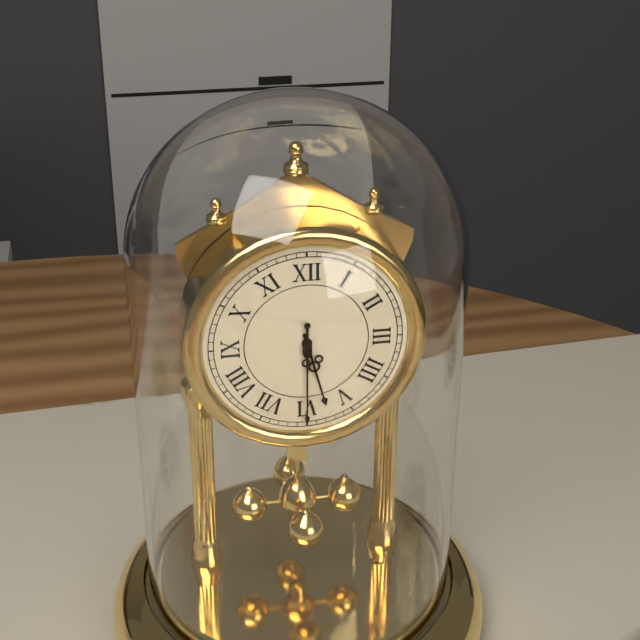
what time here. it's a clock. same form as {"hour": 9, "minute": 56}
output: {"hour": 5, "minute": 30}
